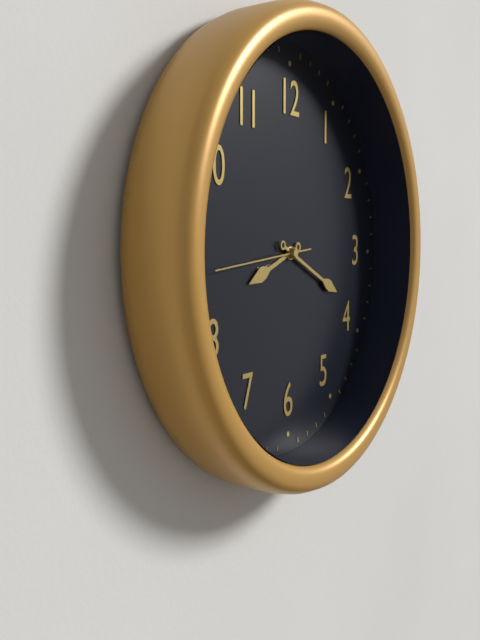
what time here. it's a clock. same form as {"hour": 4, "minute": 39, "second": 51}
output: {"hour": 8, "minute": 19, "second": 44}
